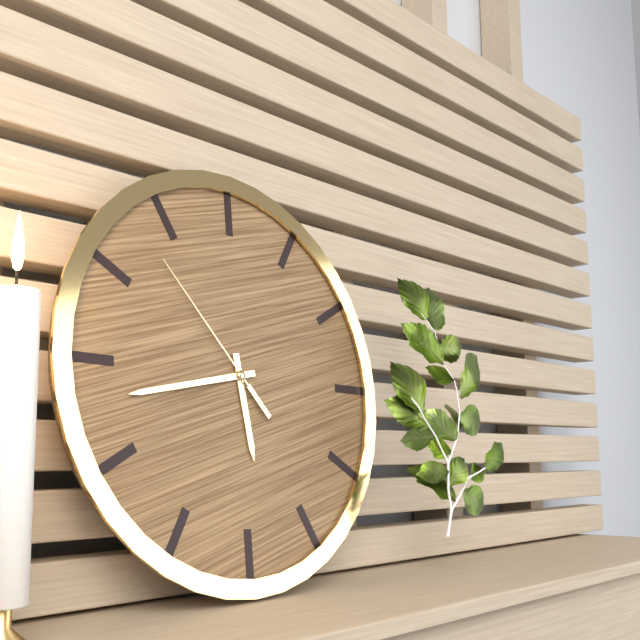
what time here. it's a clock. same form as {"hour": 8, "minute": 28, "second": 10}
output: {"hour": 5, "minute": 43, "second": 53}
